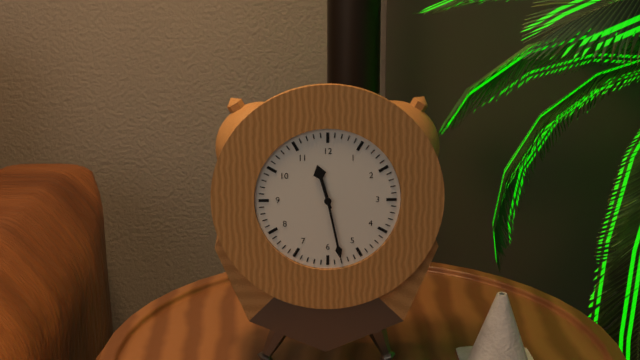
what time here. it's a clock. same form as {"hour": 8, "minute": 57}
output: {"hour": 11, "minute": 28}
